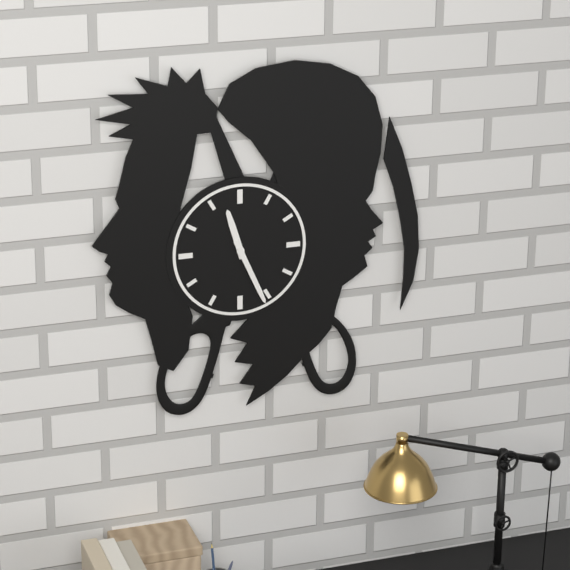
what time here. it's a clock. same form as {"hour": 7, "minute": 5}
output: {"hour": 11, "minute": 26}
